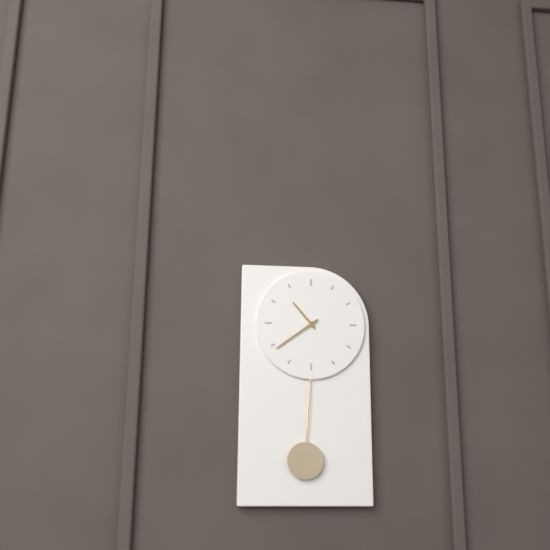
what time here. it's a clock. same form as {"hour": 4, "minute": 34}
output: {"hour": 10, "minute": 39}
